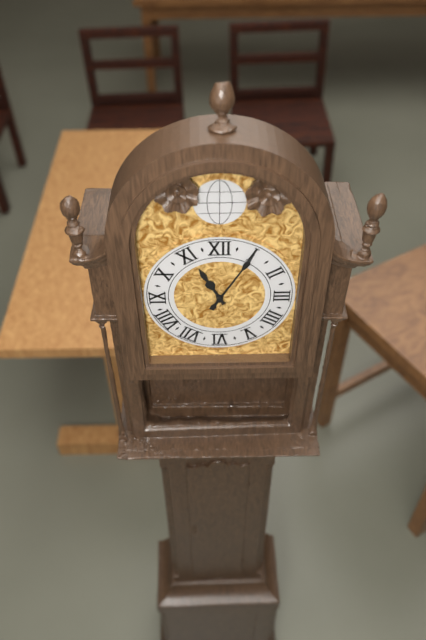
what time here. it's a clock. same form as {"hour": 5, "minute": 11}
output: {"hour": 11, "minute": 5}
